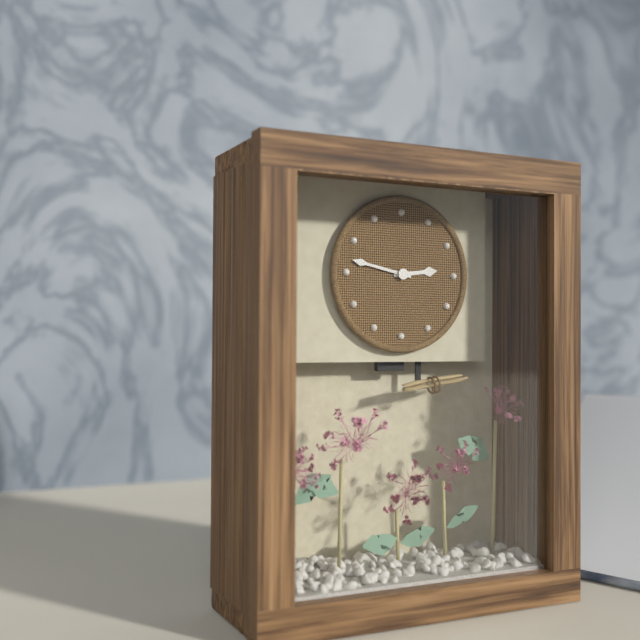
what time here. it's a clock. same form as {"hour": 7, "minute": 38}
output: {"hour": 2, "minute": 47}
